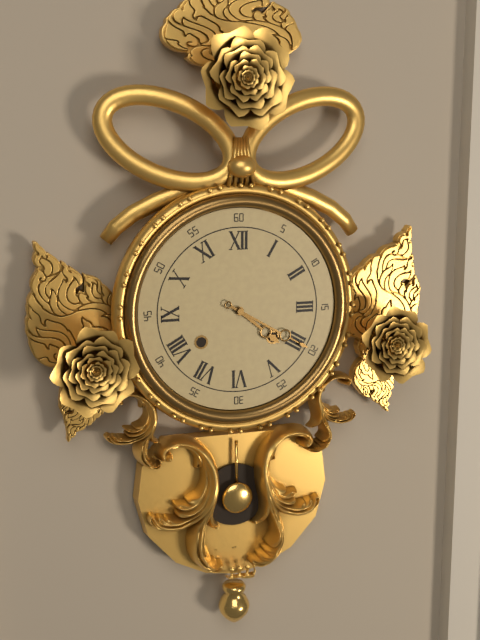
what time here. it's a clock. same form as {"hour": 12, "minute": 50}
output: {"hour": 4, "minute": 20}
